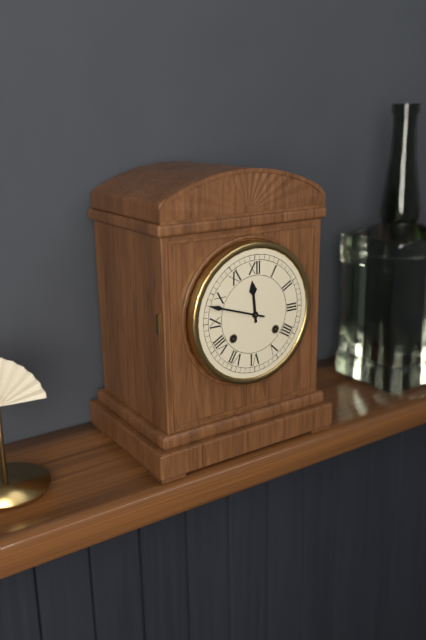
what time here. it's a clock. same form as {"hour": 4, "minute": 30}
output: {"hour": 11, "minute": 48}
